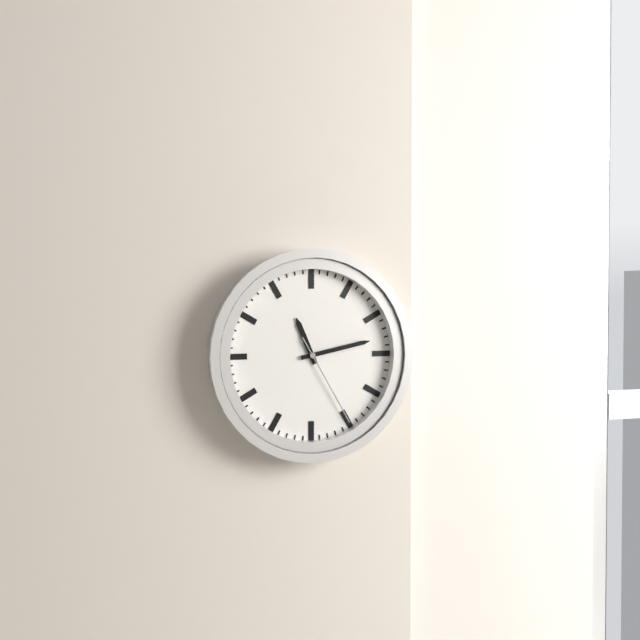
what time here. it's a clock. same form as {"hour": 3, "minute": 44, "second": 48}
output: {"hour": 11, "minute": 13, "second": 25}
